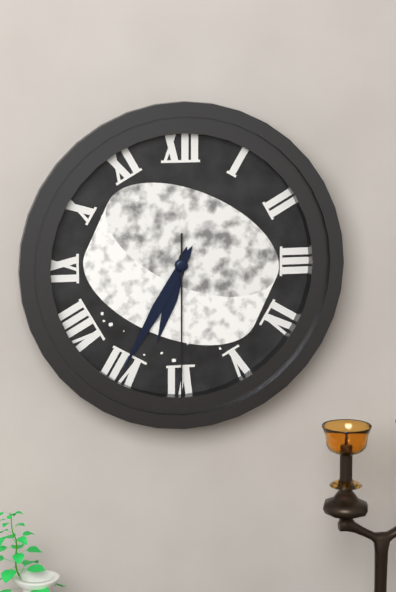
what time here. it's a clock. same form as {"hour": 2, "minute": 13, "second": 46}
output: {"hour": 6, "minute": 35, "second": 30}
